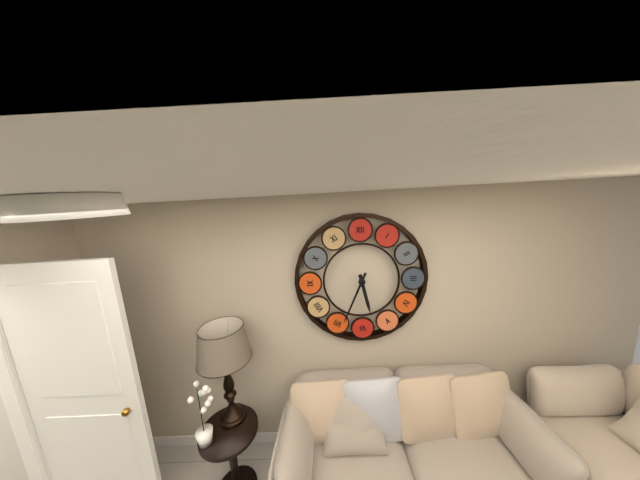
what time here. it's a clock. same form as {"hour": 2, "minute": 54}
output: {"hour": 5, "minute": 34}
